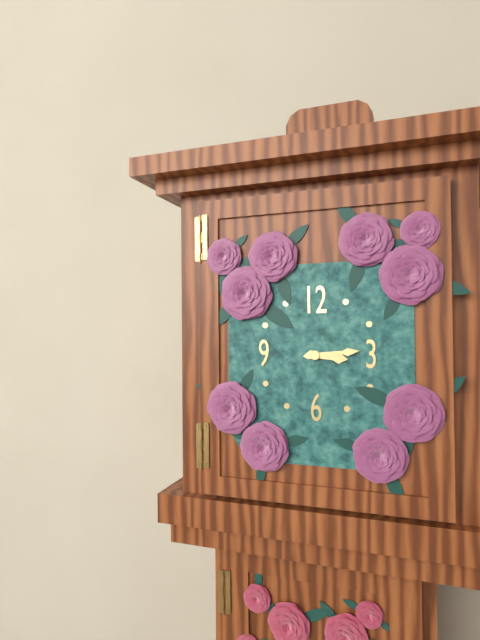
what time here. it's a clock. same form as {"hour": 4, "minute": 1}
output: {"hour": 3, "minute": 14}
